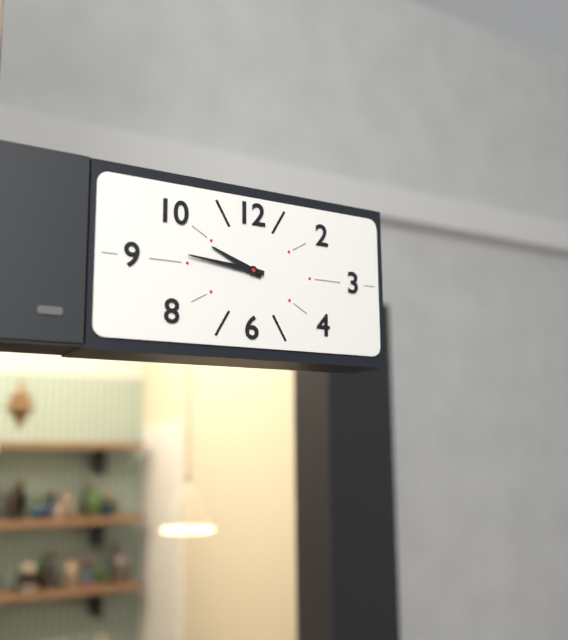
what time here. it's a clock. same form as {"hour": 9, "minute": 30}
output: {"hour": 9, "minute": 46}
